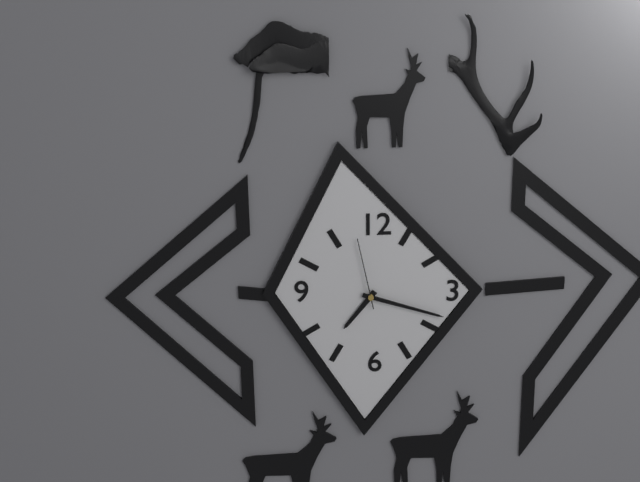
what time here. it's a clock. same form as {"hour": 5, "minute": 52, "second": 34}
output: {"hour": 7, "minute": 18, "second": 58}
